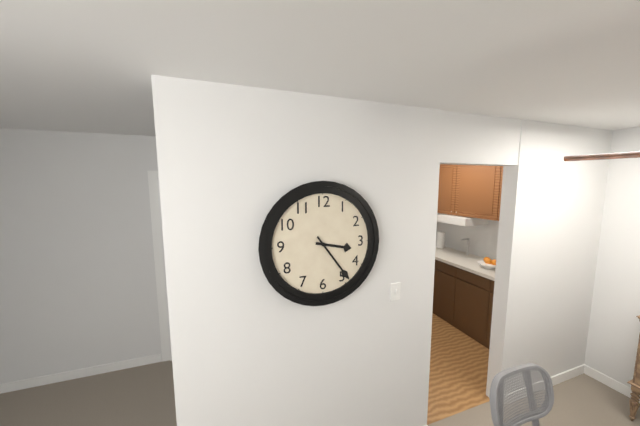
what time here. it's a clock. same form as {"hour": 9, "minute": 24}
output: {"hour": 3, "minute": 24}
